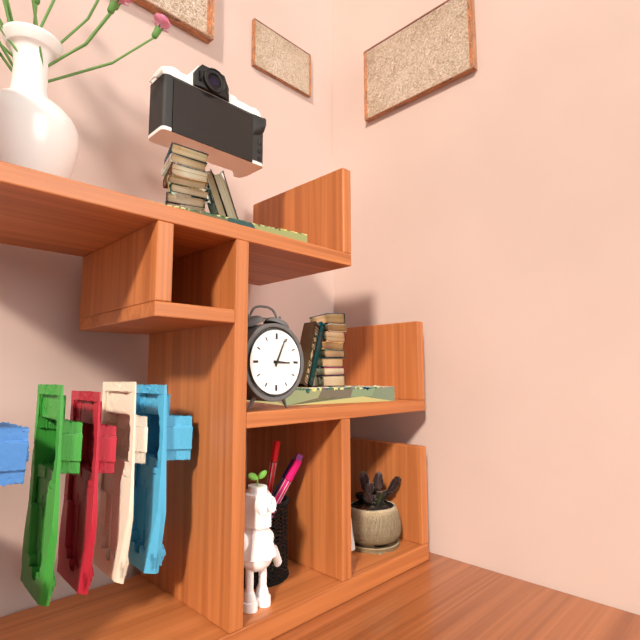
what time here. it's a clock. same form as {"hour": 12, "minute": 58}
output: {"hour": 3, "minute": 4}
